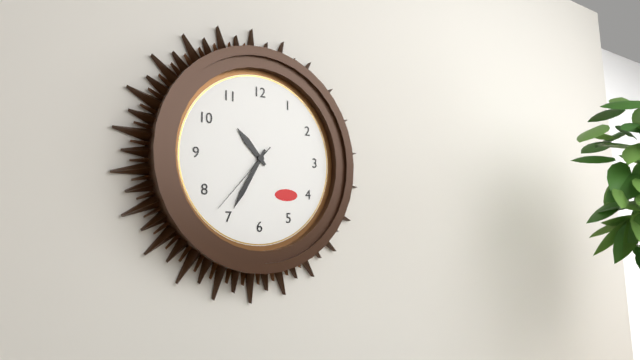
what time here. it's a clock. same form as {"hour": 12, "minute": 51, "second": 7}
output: {"hour": 10, "minute": 35, "second": 37}
